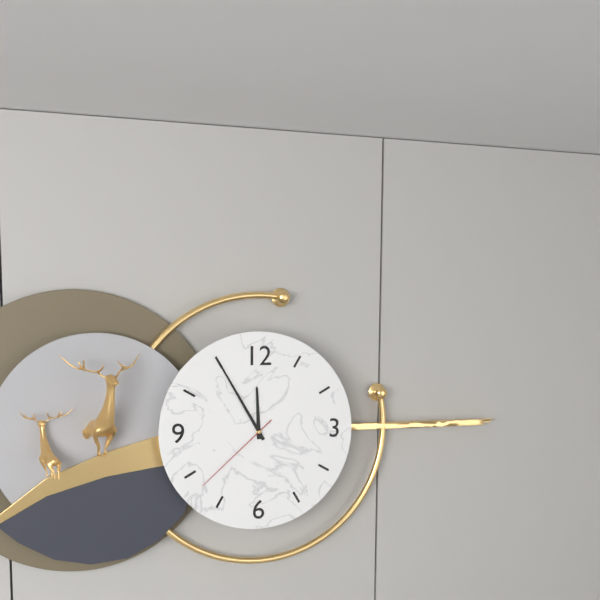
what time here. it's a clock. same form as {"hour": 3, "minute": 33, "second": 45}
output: {"hour": 11, "minute": 55, "second": 38}
